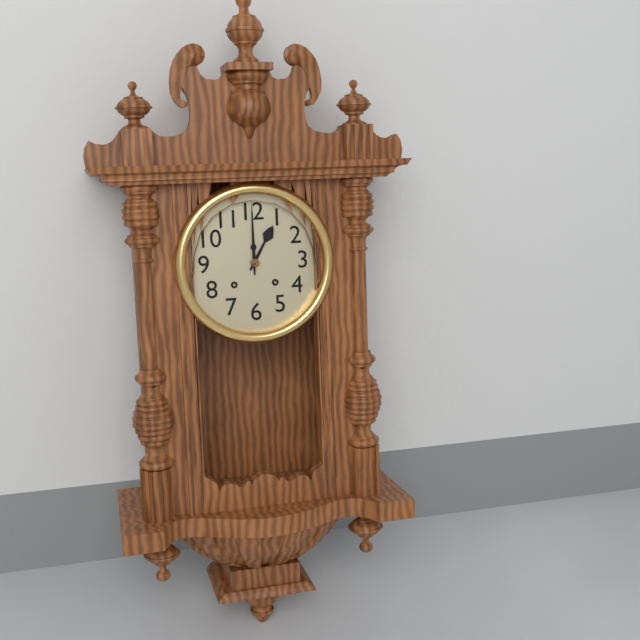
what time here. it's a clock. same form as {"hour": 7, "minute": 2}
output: {"hour": 1, "minute": 0}
